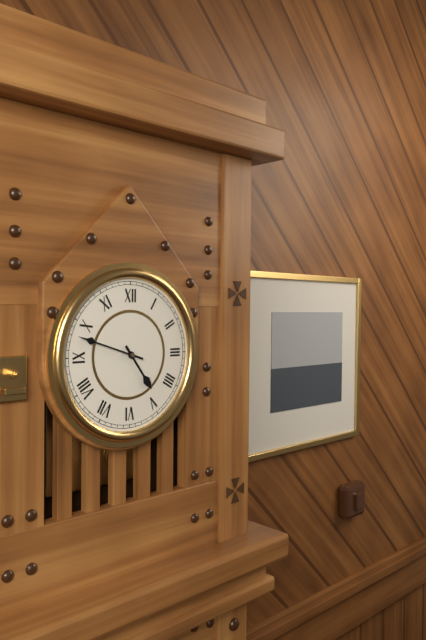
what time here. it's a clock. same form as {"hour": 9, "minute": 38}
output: {"hour": 4, "minute": 48}
